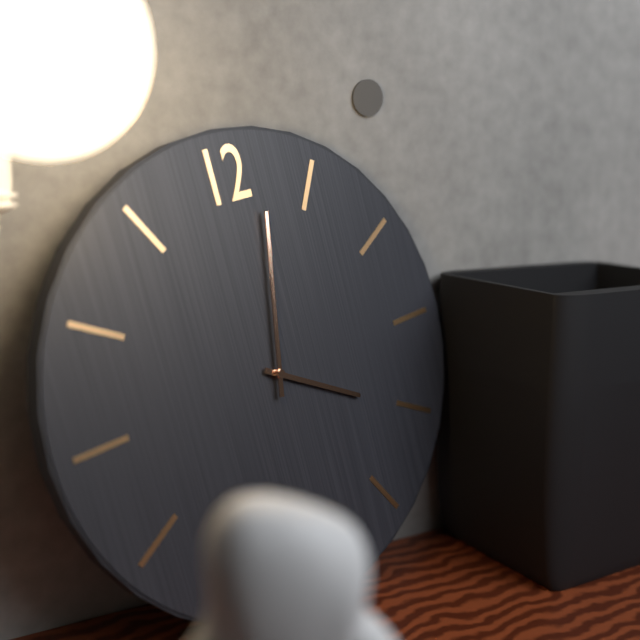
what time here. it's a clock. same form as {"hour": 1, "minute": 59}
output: {"hour": 4, "minute": 2}
